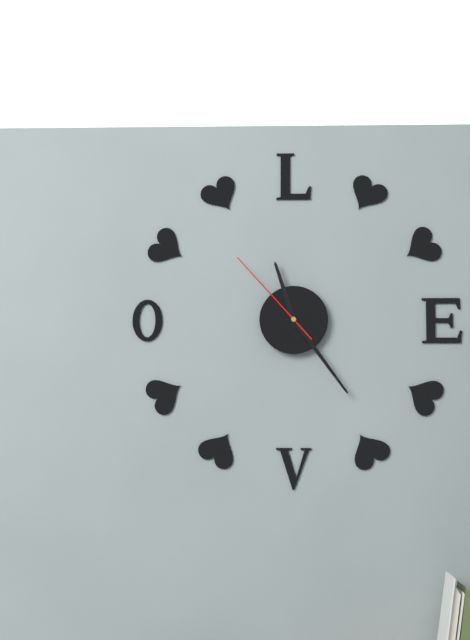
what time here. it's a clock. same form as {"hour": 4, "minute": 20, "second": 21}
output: {"hour": 11, "minute": 24, "second": 53}
